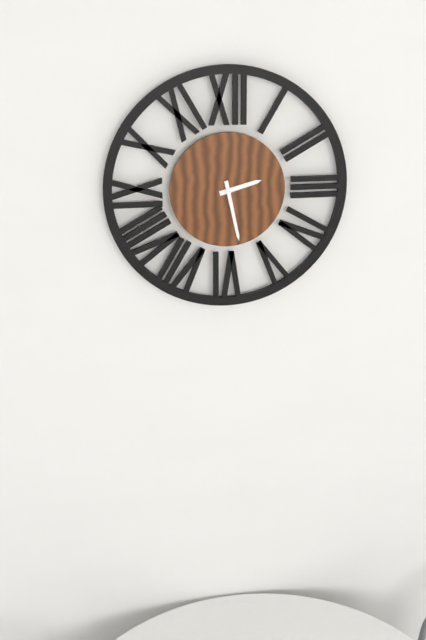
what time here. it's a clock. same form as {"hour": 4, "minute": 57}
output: {"hour": 2, "minute": 28}
